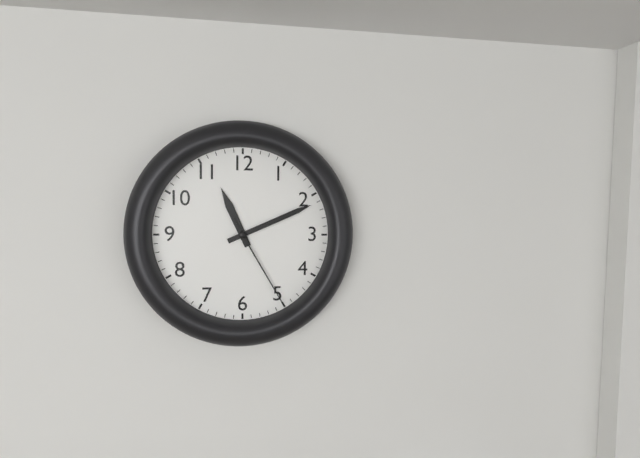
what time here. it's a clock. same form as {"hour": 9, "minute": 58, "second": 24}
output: {"hour": 11, "minute": 11, "second": 25}
